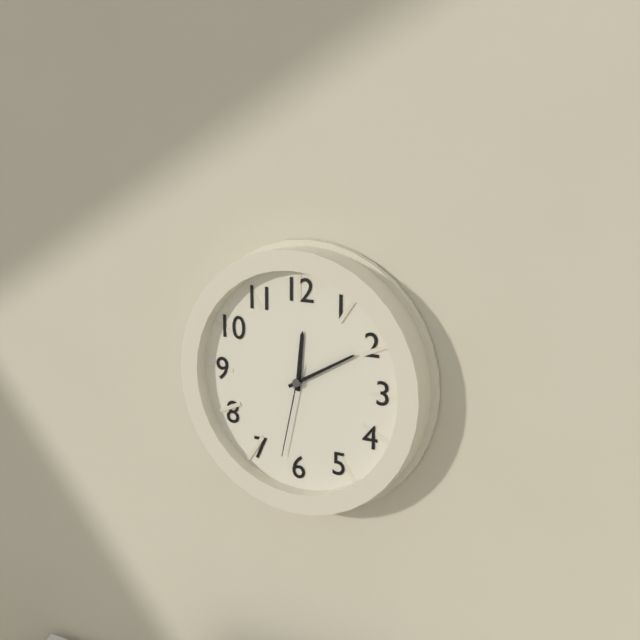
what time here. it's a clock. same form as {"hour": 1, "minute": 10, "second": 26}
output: {"hour": 12, "minute": 10, "second": 32}
